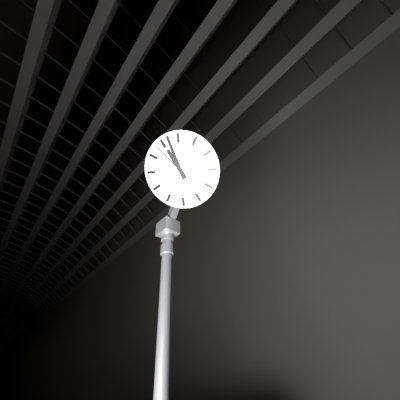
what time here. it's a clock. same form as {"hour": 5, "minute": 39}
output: {"hour": 12, "minute": 2}
